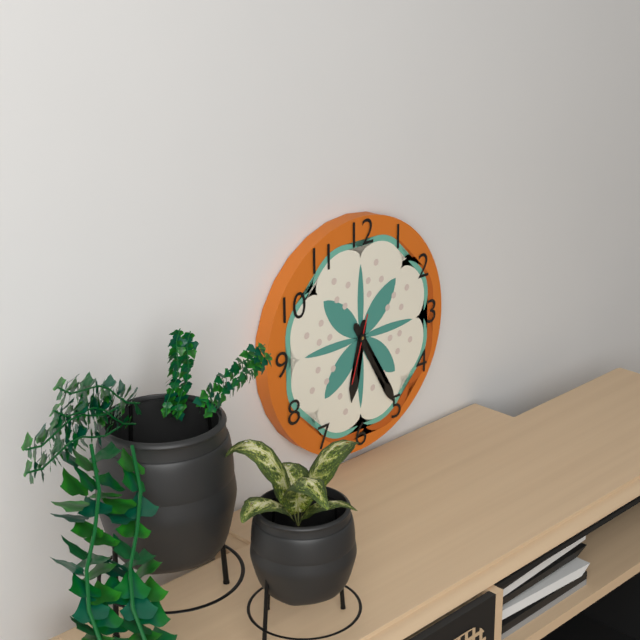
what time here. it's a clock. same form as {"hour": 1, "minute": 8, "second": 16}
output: {"hour": 6, "minute": 25, "second": 33}
